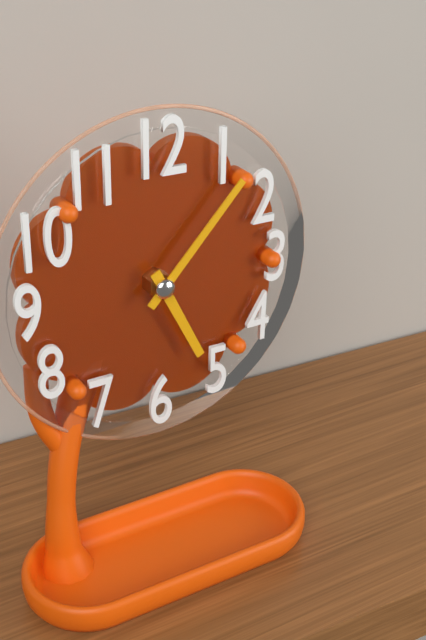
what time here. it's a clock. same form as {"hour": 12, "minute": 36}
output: {"hour": 5, "minute": 7}
